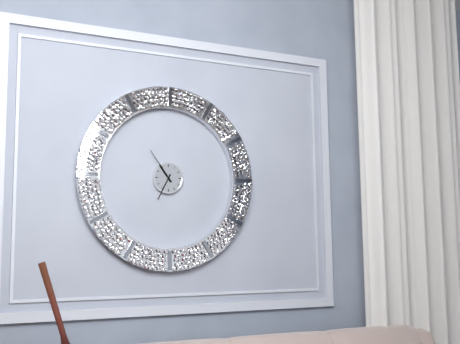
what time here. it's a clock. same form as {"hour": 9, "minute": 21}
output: {"hour": 6, "minute": 54}
